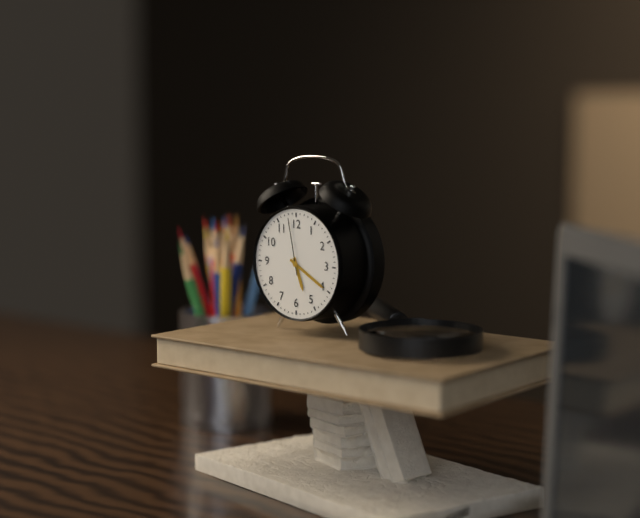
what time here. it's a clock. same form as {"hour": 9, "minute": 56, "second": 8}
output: {"hour": 5, "minute": 20, "second": 58}
